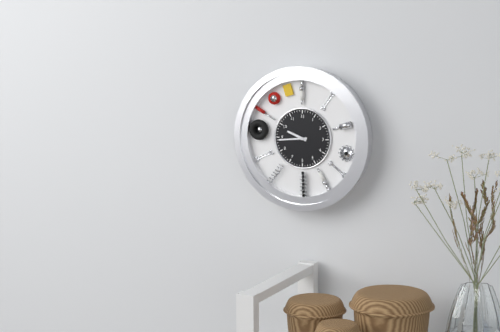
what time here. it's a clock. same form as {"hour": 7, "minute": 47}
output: {"hour": 9, "minute": 44}
